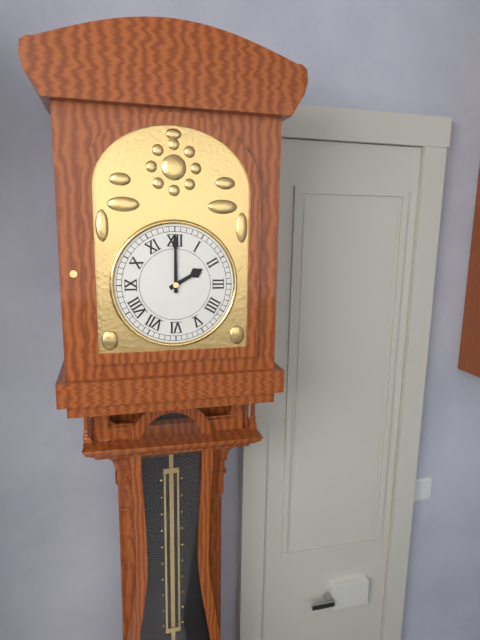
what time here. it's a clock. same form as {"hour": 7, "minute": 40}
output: {"hour": 2, "minute": 0}
